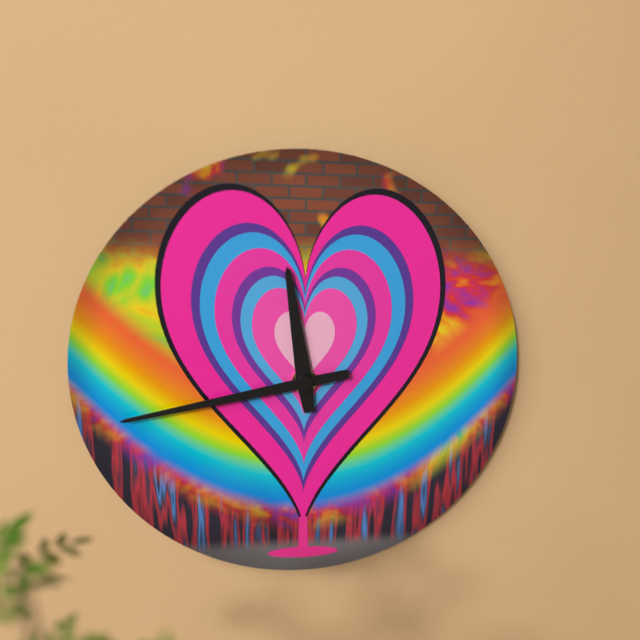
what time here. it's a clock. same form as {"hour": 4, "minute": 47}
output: {"hour": 11, "minute": 43}
